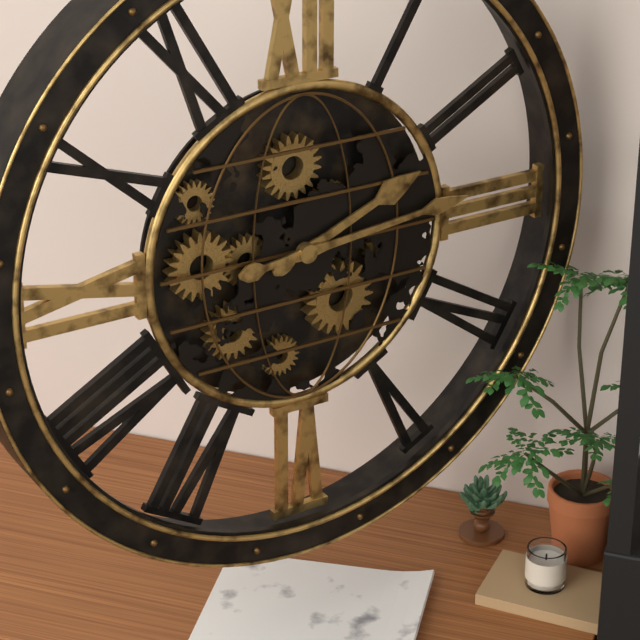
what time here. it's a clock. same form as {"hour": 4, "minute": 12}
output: {"hour": 2, "minute": 14}
